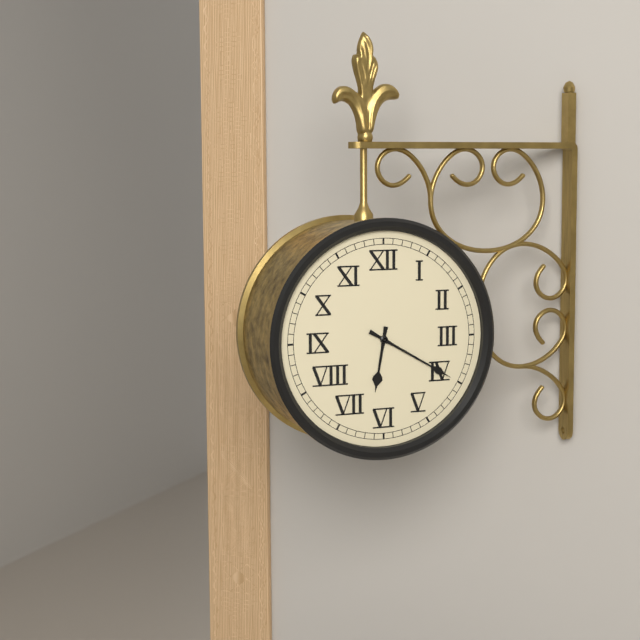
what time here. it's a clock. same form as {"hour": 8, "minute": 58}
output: {"hour": 6, "minute": 20}
